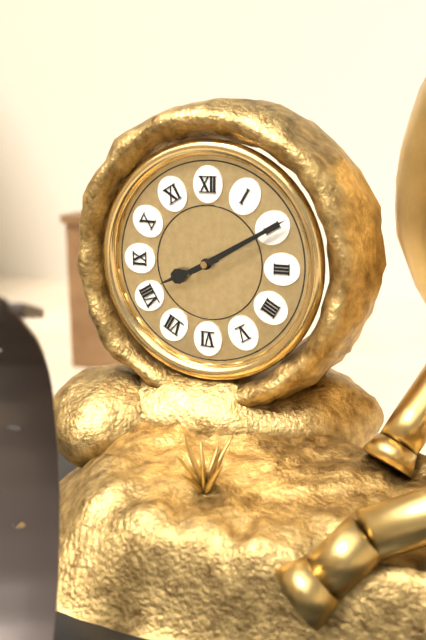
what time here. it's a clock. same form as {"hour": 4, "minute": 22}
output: {"hour": 8, "minute": 10}
